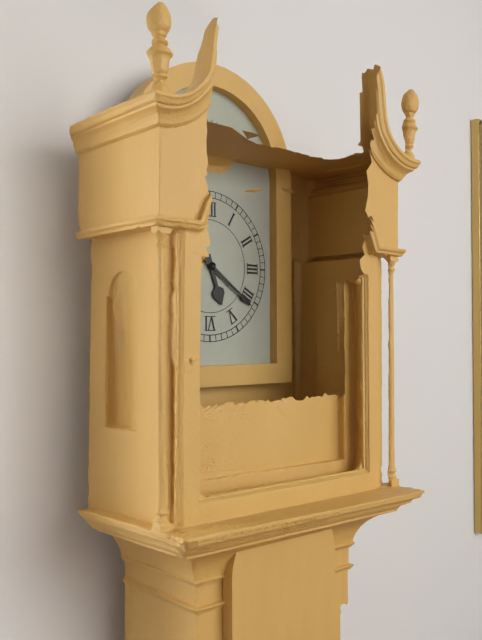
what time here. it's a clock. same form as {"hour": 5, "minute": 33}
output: {"hour": 5, "minute": 21}
